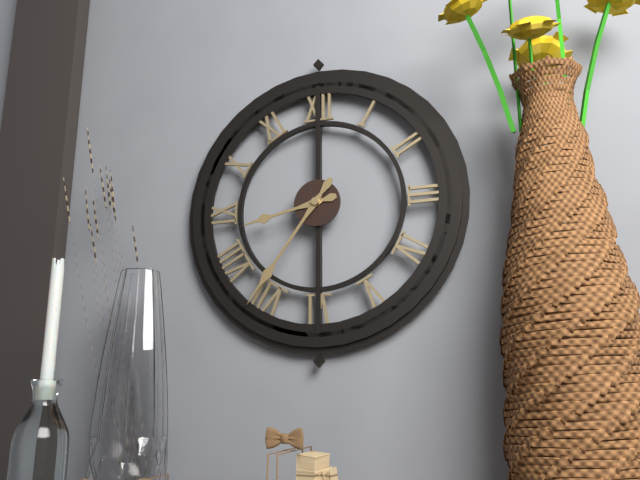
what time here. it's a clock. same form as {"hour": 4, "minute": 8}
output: {"hour": 8, "minute": 36}
